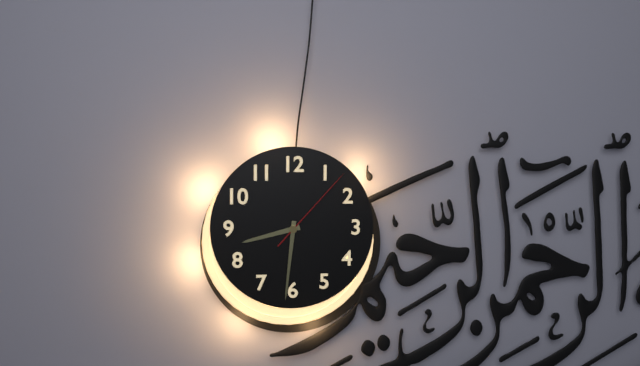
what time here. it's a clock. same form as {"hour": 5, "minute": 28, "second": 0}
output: {"hour": 8, "minute": 31, "second": 7}
